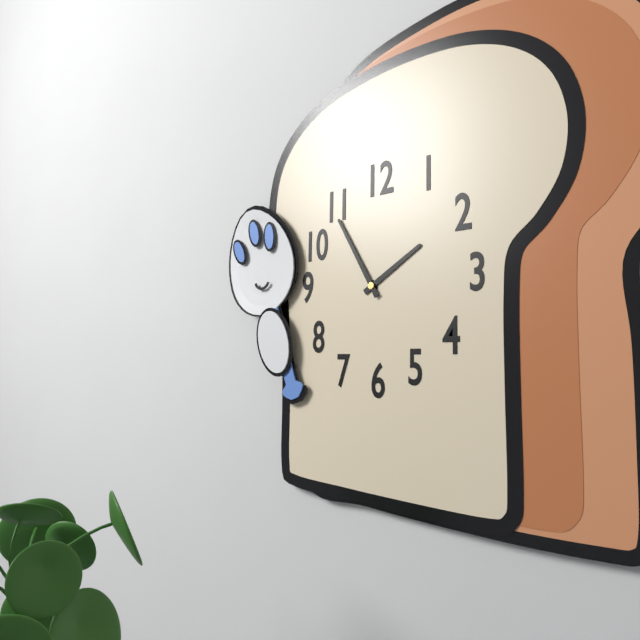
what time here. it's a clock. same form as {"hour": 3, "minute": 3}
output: {"hour": 1, "minute": 55}
